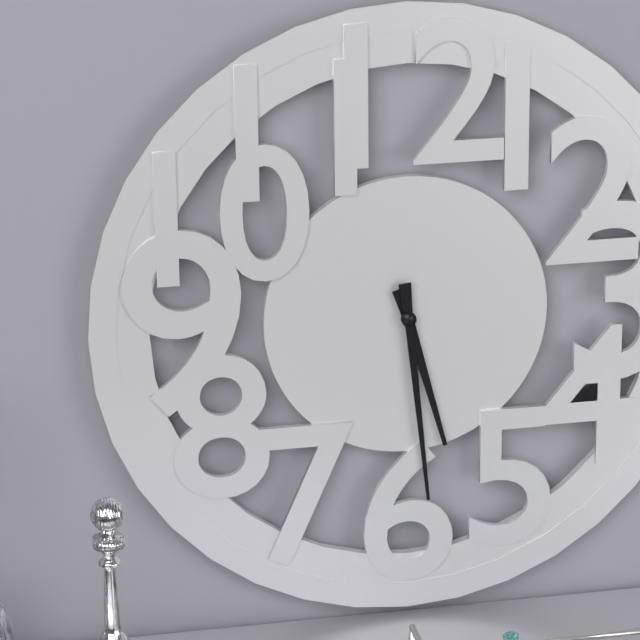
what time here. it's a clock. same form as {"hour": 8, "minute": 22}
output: {"hour": 5, "minute": 29}
